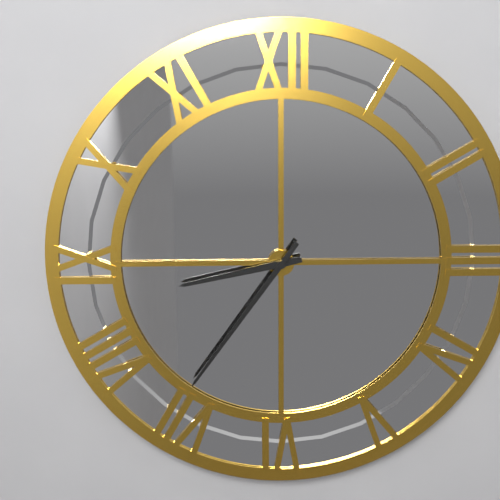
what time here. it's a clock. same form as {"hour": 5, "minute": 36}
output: {"hour": 8, "minute": 36}
